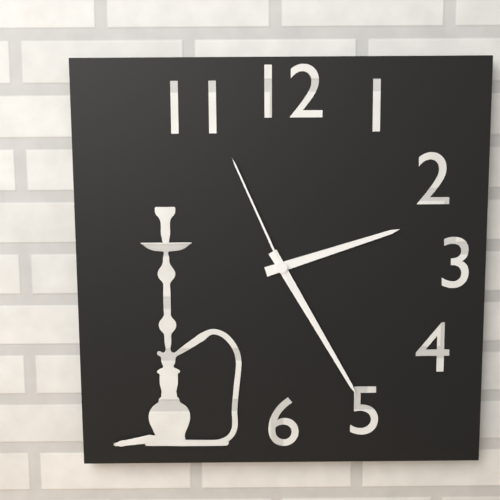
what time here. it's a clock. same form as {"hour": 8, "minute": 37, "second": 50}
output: {"hour": 2, "minute": 25, "second": 56}
